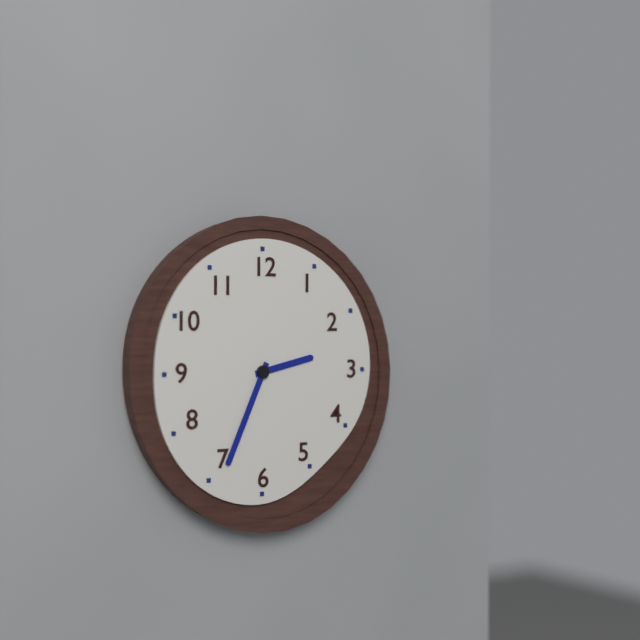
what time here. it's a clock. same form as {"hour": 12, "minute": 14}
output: {"hour": 2, "minute": 34}
